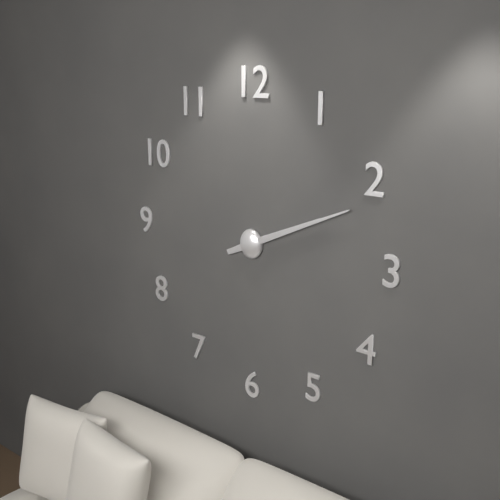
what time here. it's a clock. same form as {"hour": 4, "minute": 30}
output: {"hour": 2, "minute": 11}
